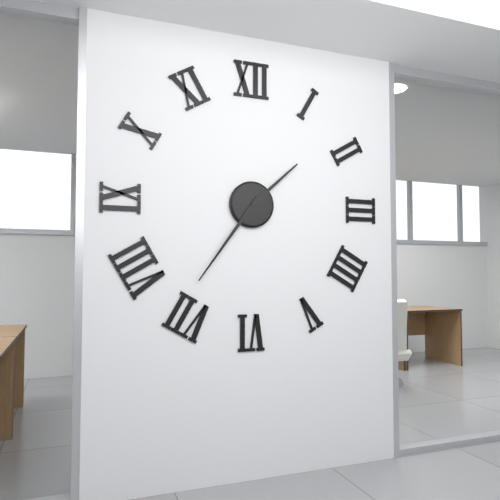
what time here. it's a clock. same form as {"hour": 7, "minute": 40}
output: {"hour": 1, "minute": 36}
